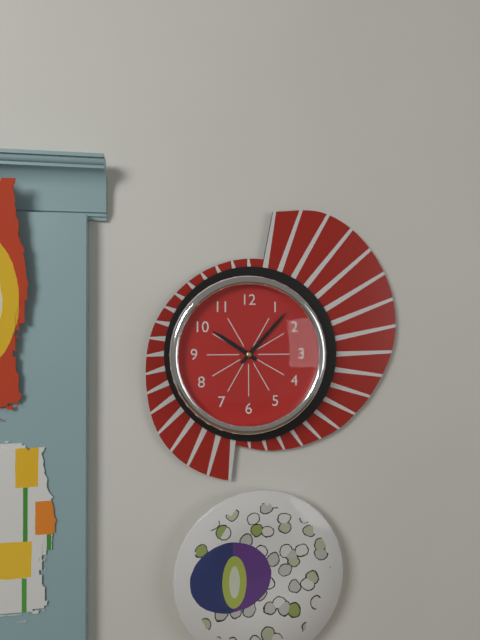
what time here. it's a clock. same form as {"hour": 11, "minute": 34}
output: {"hour": 10, "minute": 7}
